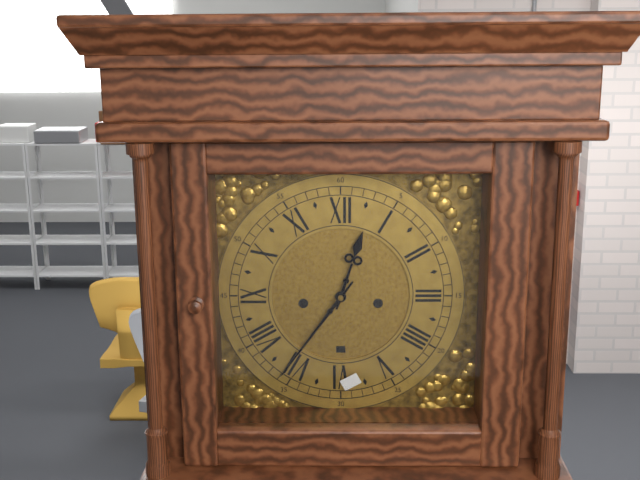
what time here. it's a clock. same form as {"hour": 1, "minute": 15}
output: {"hour": 12, "minute": 36}
